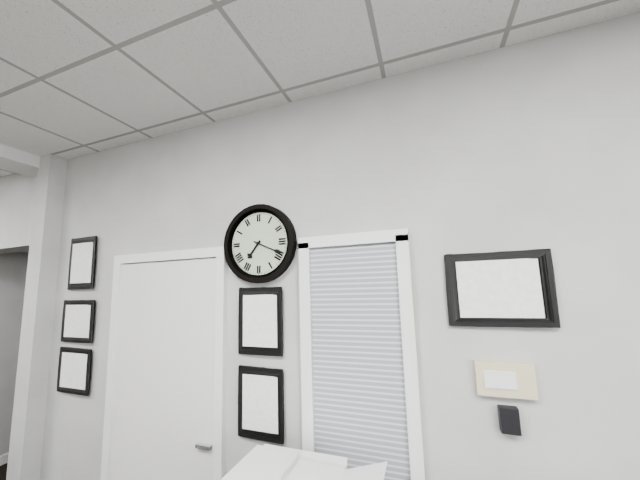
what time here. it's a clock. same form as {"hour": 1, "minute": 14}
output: {"hour": 7, "minute": 19}
